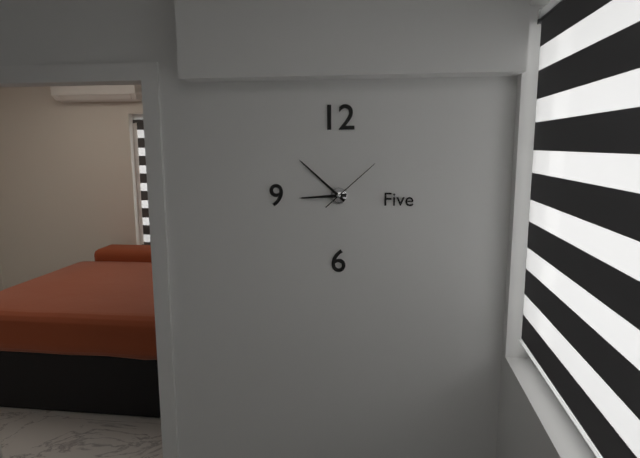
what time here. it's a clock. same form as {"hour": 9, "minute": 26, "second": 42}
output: {"hour": 8, "minute": 52, "second": 8}
